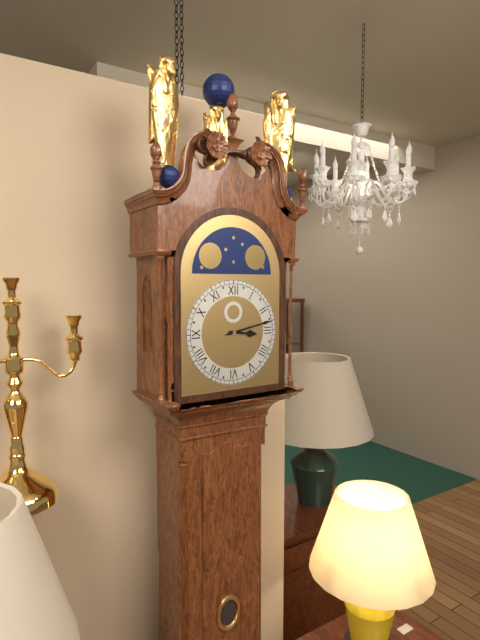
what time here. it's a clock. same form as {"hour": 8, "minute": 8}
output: {"hour": 3, "minute": 13}
